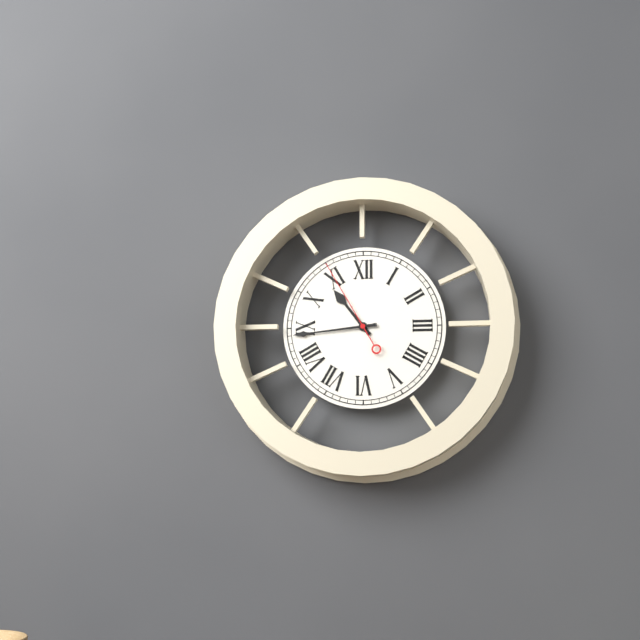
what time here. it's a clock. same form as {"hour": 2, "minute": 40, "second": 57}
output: {"hour": 10, "minute": 44, "second": 55}
